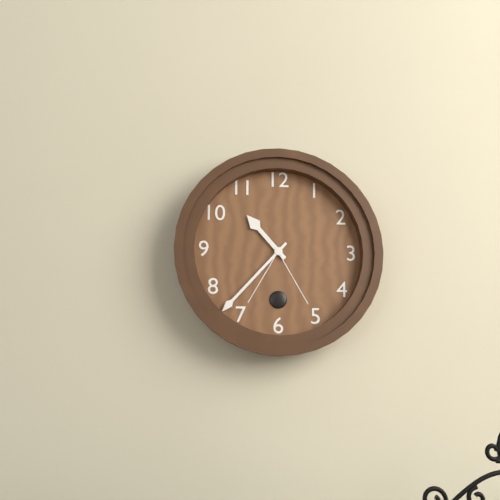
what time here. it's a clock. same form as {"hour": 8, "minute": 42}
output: {"hour": 10, "minute": 37}
